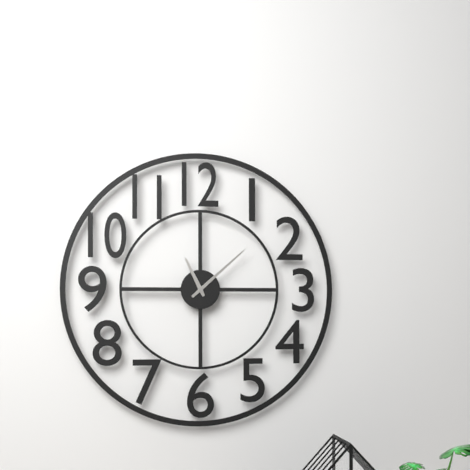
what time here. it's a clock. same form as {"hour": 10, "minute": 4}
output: {"hour": 11, "minute": 8}
